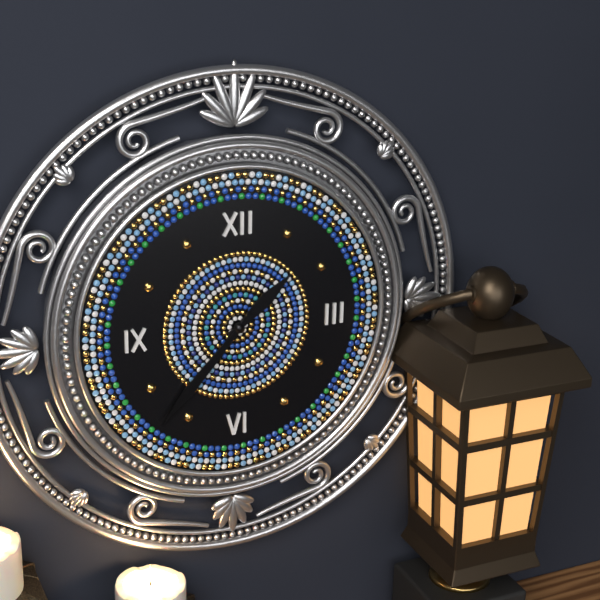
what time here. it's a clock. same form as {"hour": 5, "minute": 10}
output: {"hour": 1, "minute": 37}
